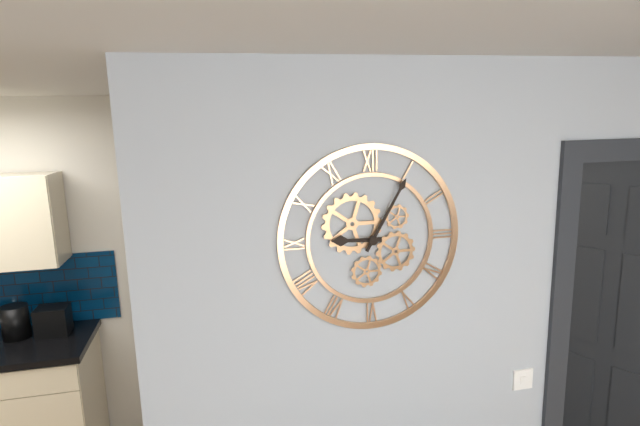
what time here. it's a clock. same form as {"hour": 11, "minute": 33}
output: {"hour": 9, "minute": 5}
